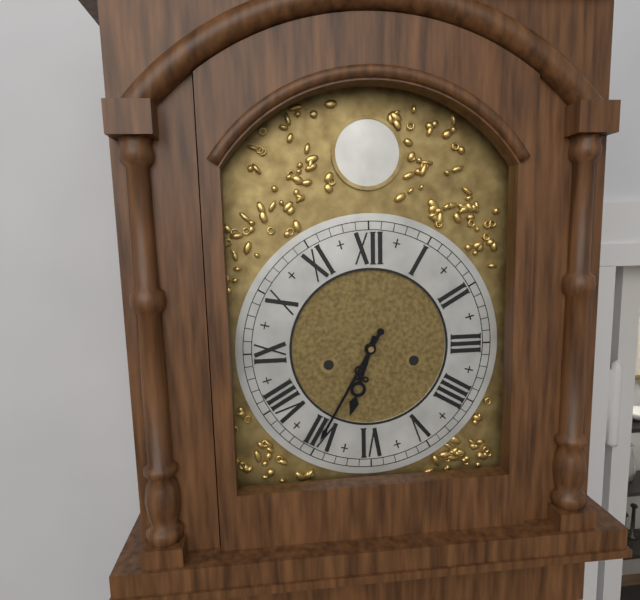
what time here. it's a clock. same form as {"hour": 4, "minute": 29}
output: {"hour": 6, "minute": 35}
